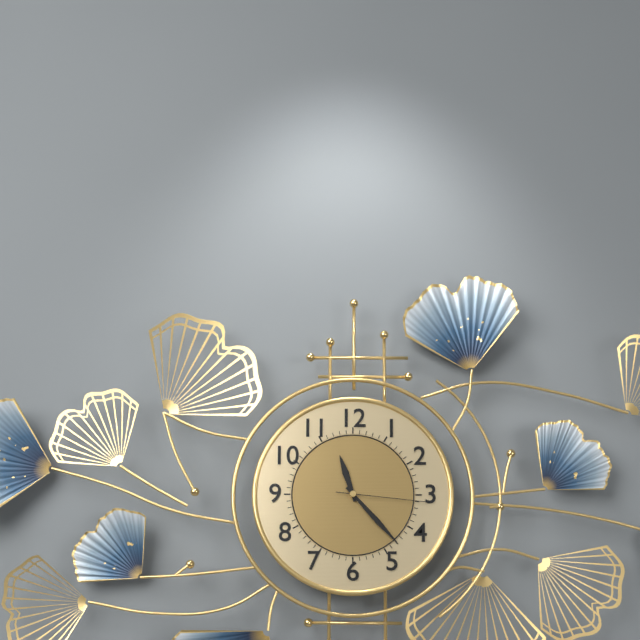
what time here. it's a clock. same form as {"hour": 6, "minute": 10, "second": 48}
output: {"hour": 11, "minute": 23, "second": 16}
